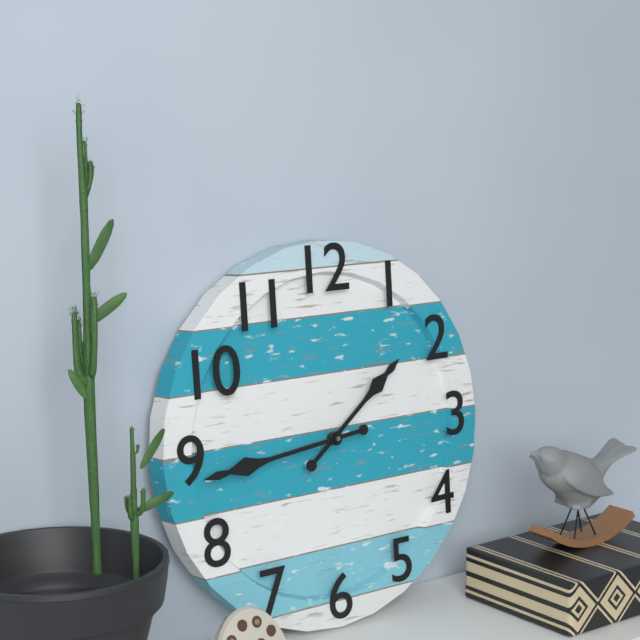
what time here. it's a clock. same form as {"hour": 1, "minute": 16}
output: {"hour": 1, "minute": 44}
